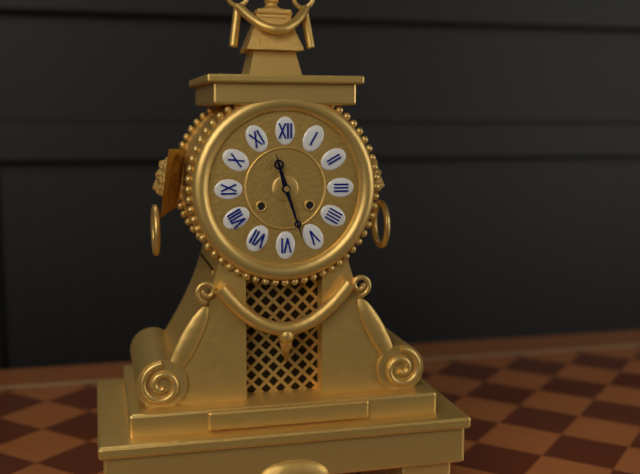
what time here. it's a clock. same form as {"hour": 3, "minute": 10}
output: {"hour": 11, "minute": 27}
